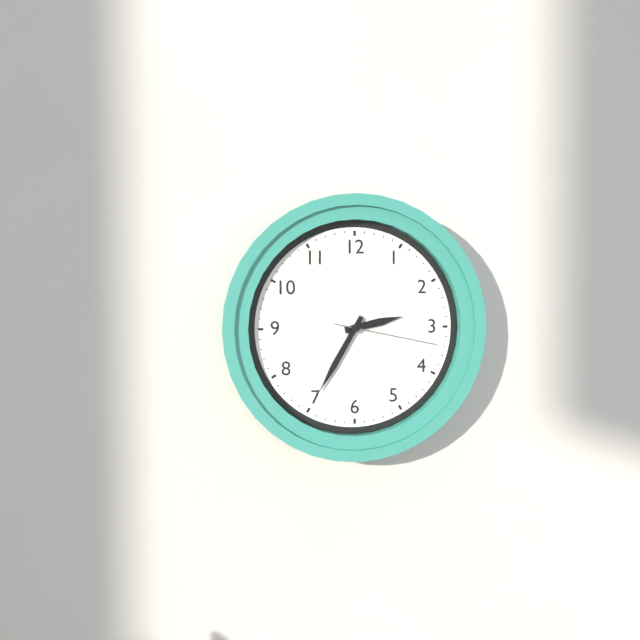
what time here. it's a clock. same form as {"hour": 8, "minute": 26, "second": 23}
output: {"hour": 2, "minute": 35, "second": 17}
